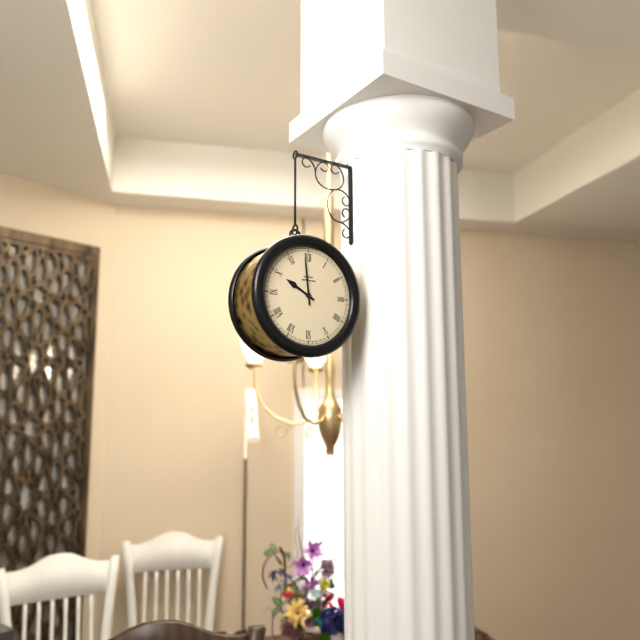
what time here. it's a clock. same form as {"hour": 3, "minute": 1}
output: {"hour": 9, "minute": 59}
